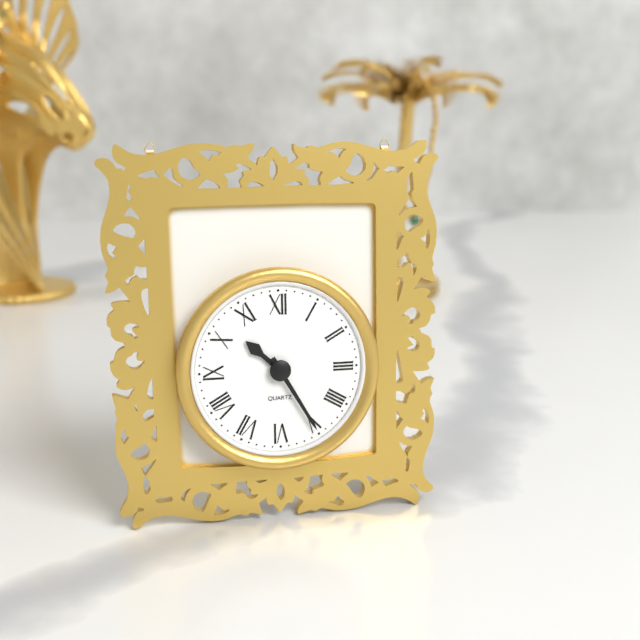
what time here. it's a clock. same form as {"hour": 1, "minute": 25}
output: {"hour": 10, "minute": 25}
